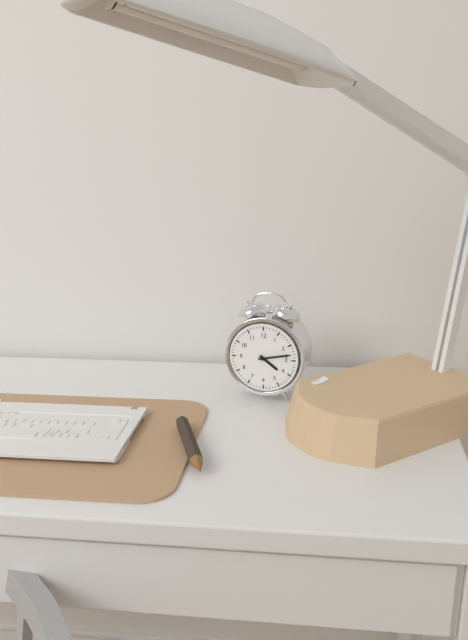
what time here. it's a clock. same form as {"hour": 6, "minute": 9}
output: {"hour": 4, "minute": 13}
